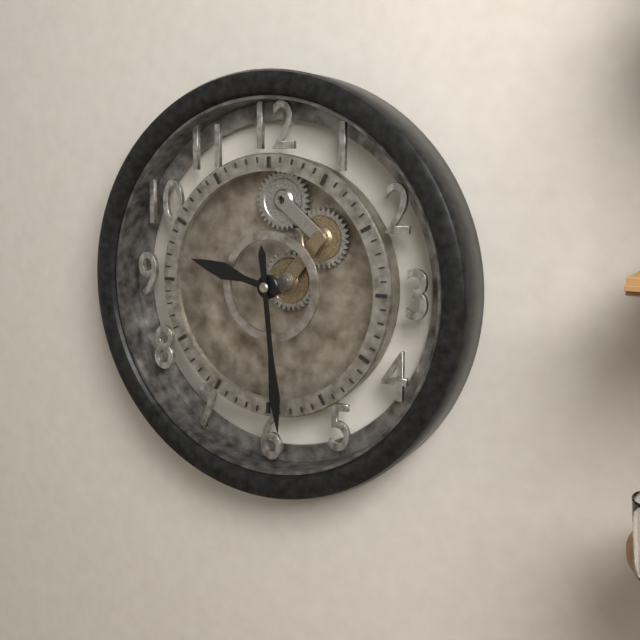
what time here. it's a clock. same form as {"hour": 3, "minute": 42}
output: {"hour": 9, "minute": 29}
